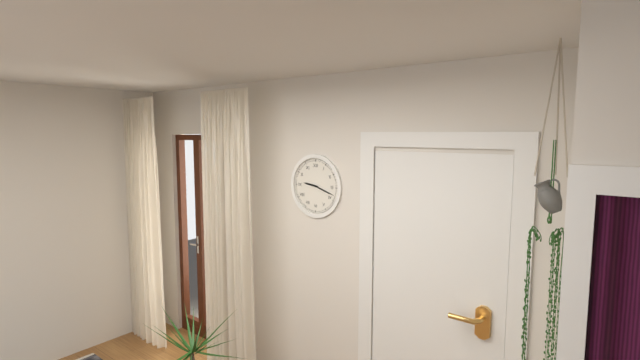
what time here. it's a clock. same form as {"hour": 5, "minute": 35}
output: {"hour": 9, "minute": 18}
